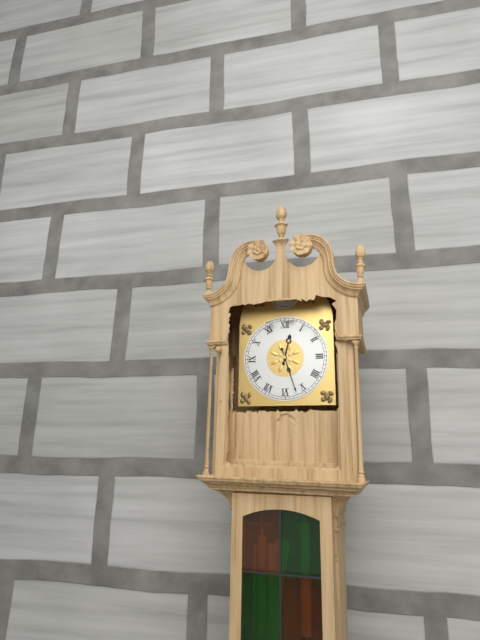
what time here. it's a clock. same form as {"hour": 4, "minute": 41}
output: {"hour": 12, "minute": 27}
